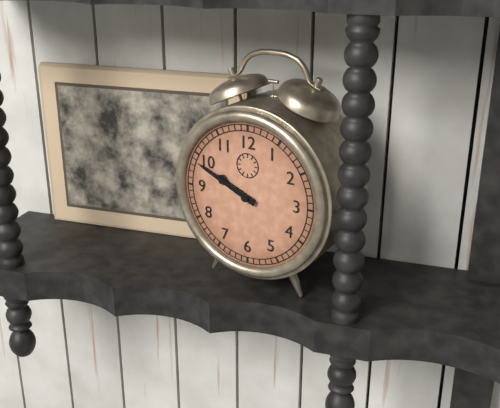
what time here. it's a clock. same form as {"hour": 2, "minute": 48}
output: {"hour": 9, "minute": 49}
